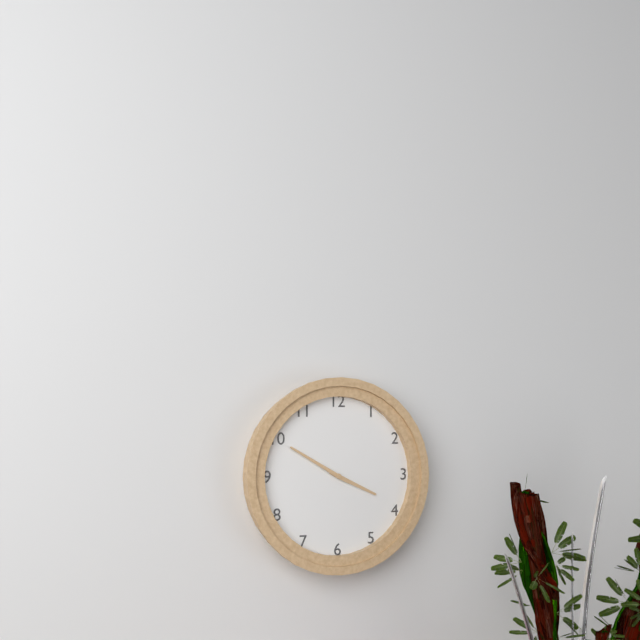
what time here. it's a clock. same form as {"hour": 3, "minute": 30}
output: {"hour": 3, "minute": 50}
